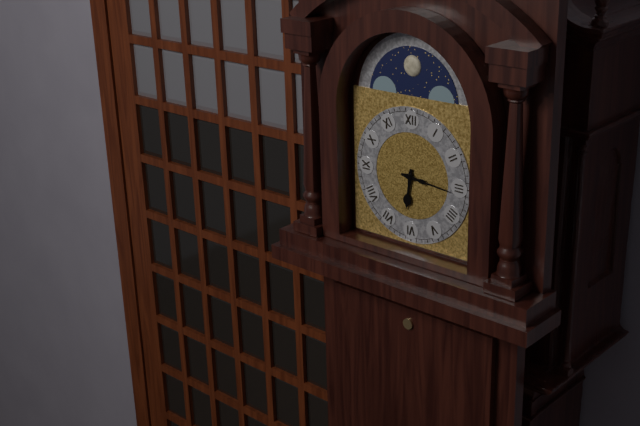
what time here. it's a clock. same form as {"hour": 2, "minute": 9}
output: {"hour": 6, "minute": 16}
